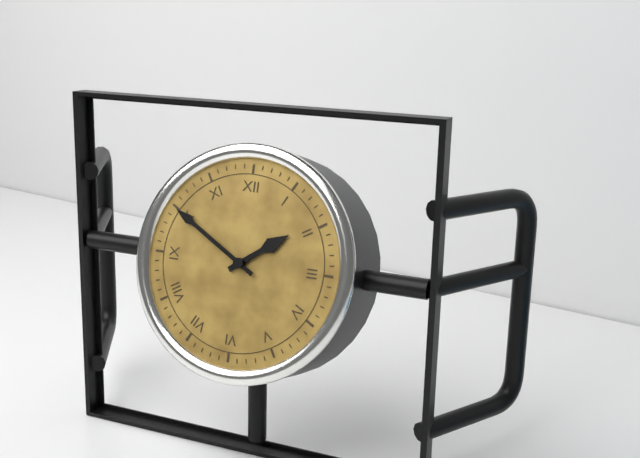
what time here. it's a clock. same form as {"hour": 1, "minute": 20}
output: {"hour": 1, "minute": 50}
